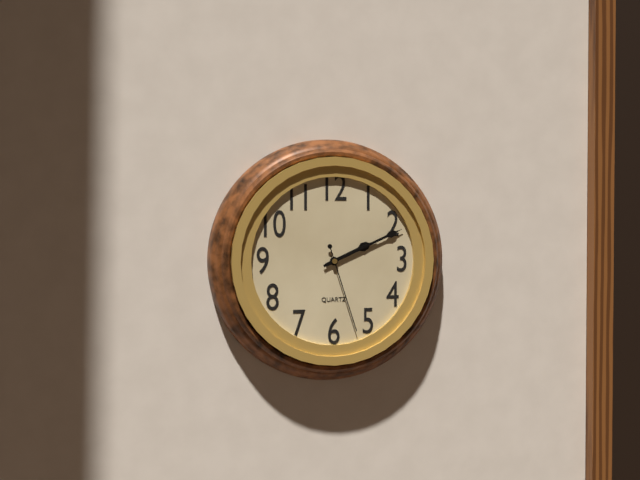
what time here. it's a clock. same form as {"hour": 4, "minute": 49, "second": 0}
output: {"hour": 2, "minute": 11, "second": 27}
